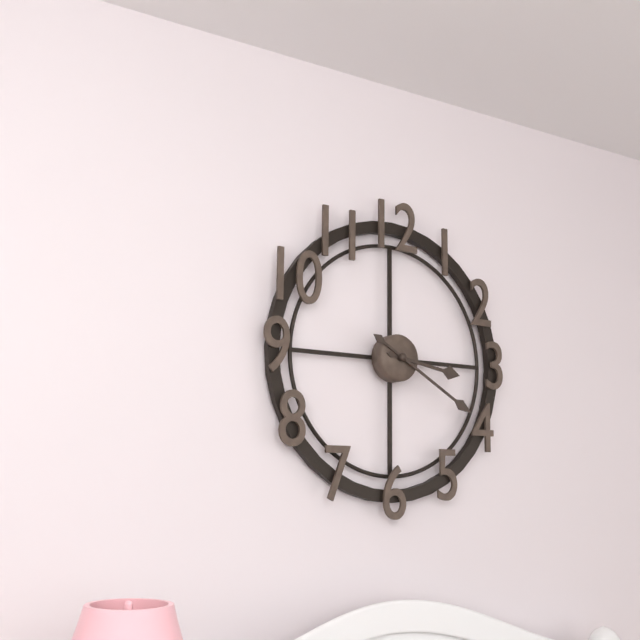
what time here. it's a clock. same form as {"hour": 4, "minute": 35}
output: {"hour": 3, "minute": 20}
